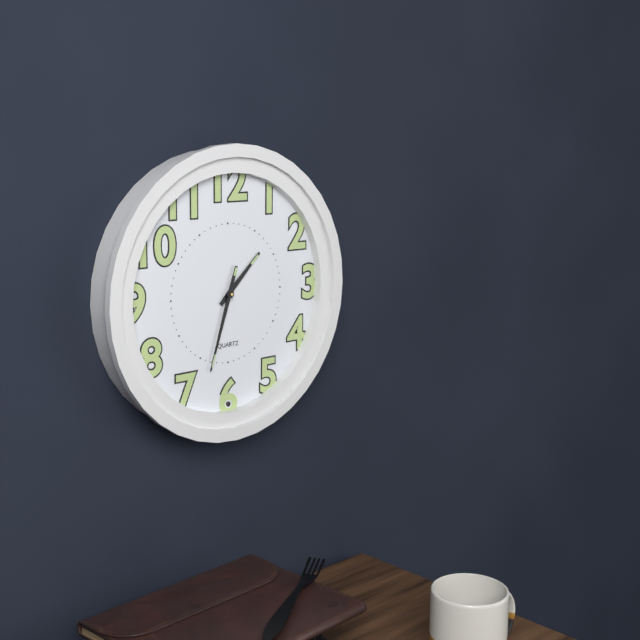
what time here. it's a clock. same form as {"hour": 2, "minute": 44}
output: {"hour": 1, "minute": 33}
